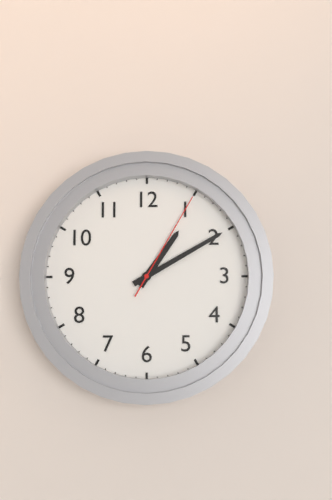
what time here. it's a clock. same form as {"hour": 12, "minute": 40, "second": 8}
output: {"hour": 1, "minute": 10, "second": 5}
